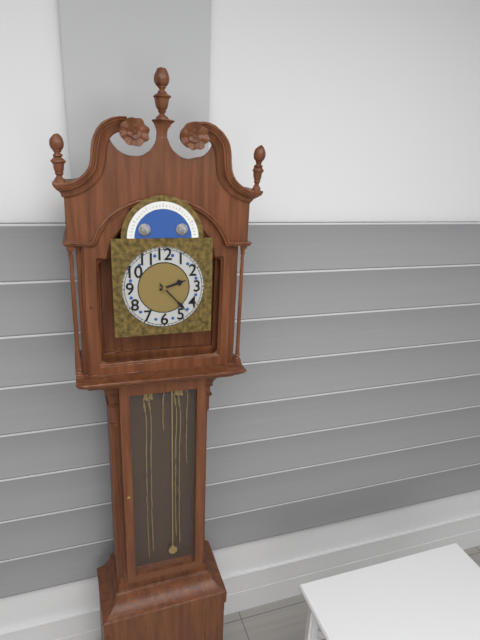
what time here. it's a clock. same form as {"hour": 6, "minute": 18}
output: {"hour": 2, "minute": 23}
